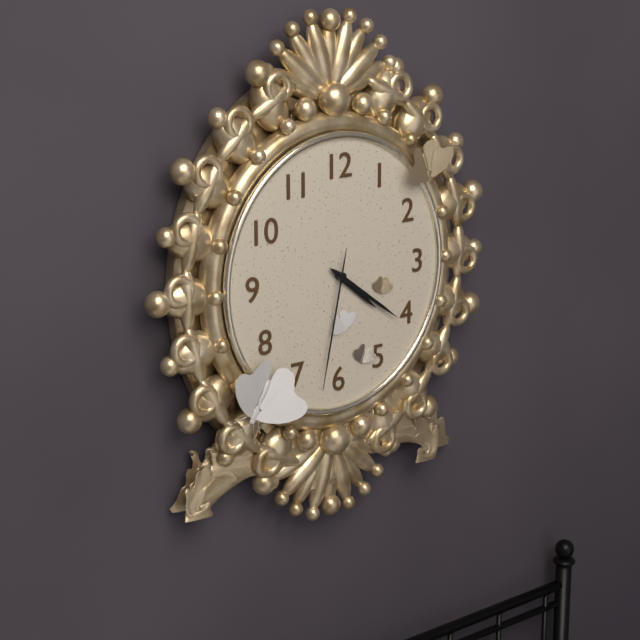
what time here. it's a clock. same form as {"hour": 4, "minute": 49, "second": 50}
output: {"hour": 4, "minute": 21, "second": 32}
